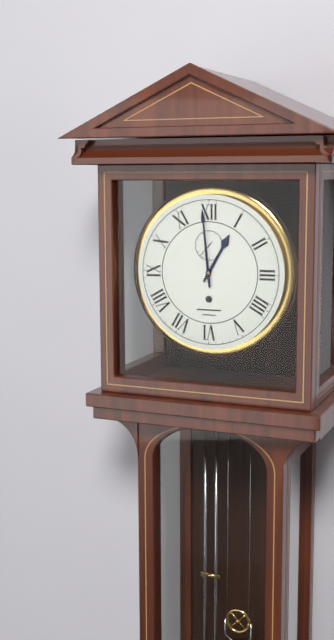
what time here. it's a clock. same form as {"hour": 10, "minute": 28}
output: {"hour": 12, "minute": 59}
